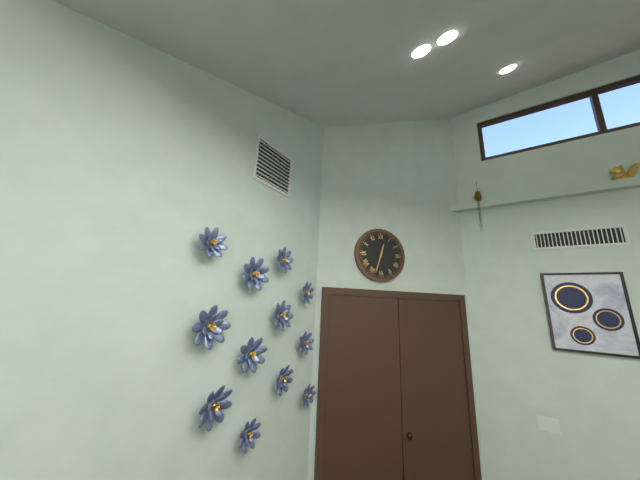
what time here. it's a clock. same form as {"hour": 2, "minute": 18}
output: {"hour": 12, "minute": 33}
